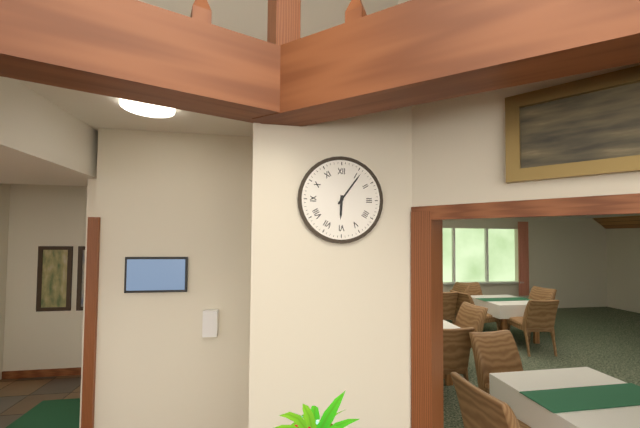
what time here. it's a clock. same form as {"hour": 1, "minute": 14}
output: {"hour": 6, "minute": 6}
